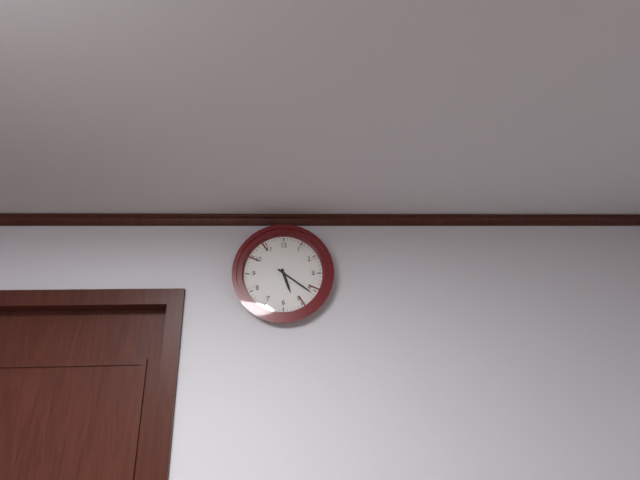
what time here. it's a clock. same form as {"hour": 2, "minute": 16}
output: {"hour": 5, "minute": 21}
